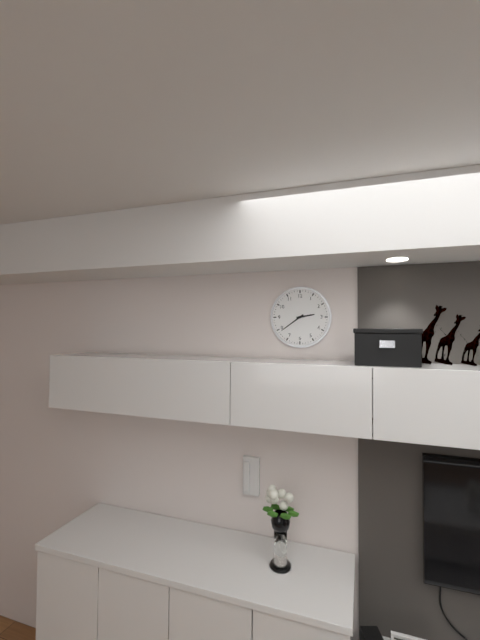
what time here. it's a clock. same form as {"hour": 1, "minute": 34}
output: {"hour": 2, "minute": 39}
